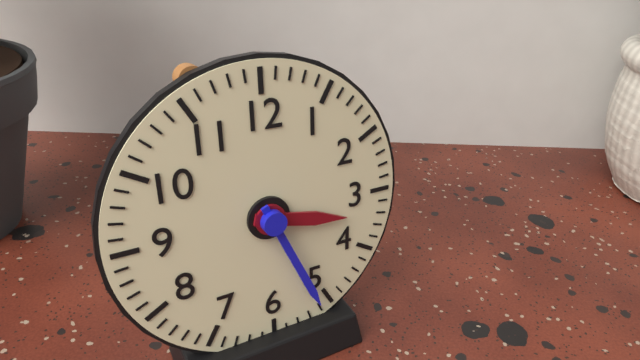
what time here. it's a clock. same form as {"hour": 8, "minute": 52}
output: {"hour": 3, "minute": 26}
